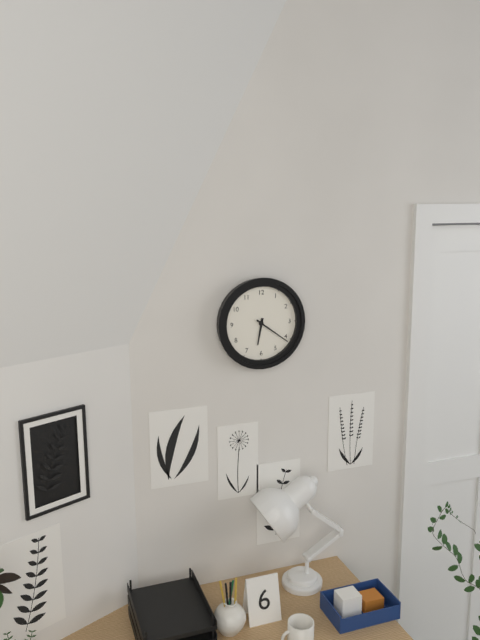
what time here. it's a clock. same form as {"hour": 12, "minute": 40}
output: {"hour": 6, "minute": 21}
